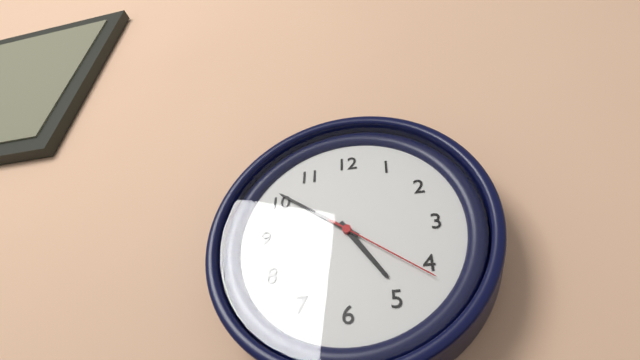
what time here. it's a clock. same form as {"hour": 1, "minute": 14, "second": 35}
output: {"hour": 4, "minute": 51, "second": 21}
